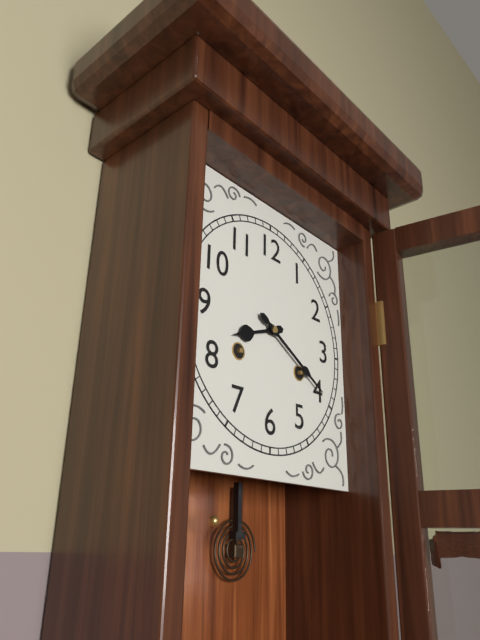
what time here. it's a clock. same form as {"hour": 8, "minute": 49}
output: {"hour": 8, "minute": 20}
